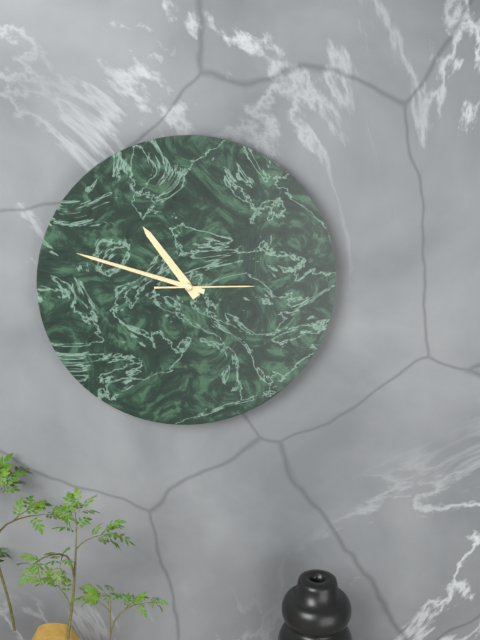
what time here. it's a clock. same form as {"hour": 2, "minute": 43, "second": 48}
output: {"hour": 10, "minute": 48, "second": 15}
